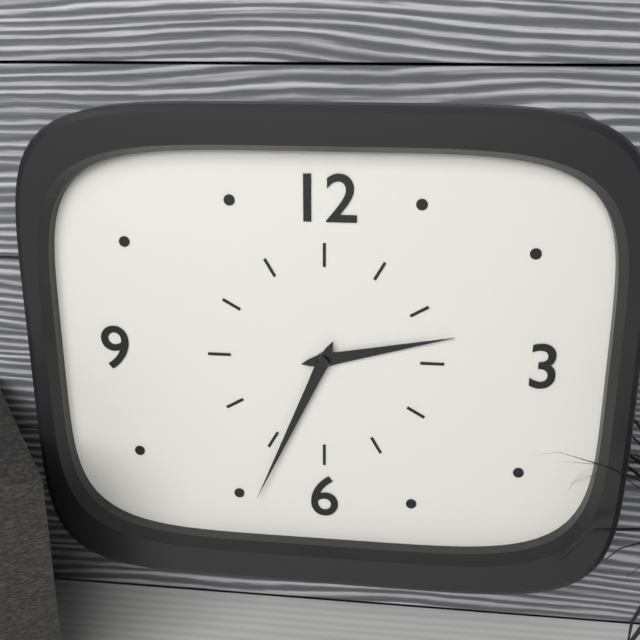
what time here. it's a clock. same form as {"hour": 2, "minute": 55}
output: {"hour": 2, "minute": 34}
